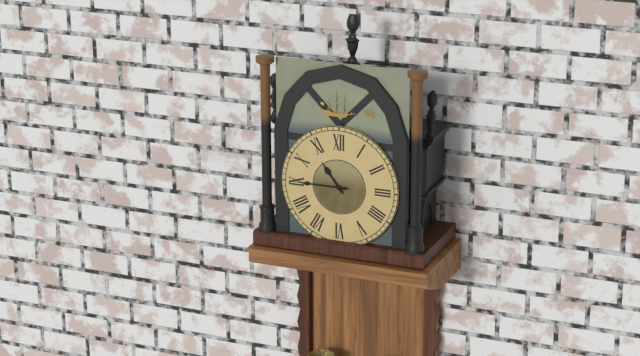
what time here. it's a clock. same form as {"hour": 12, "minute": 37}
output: {"hour": 10, "minute": 45}
